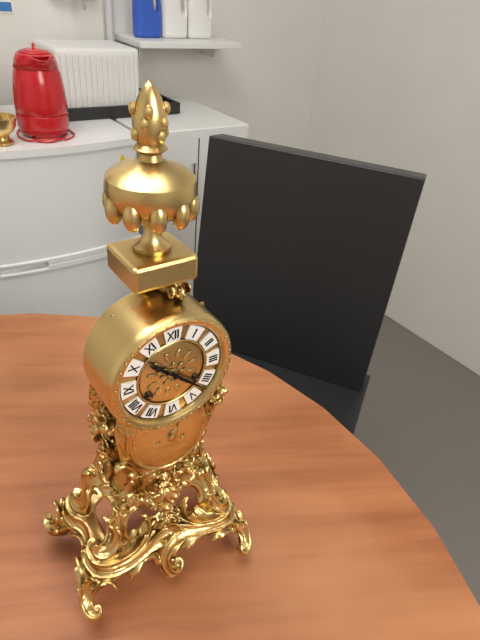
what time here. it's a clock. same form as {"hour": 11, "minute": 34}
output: {"hour": 10, "minute": 22}
